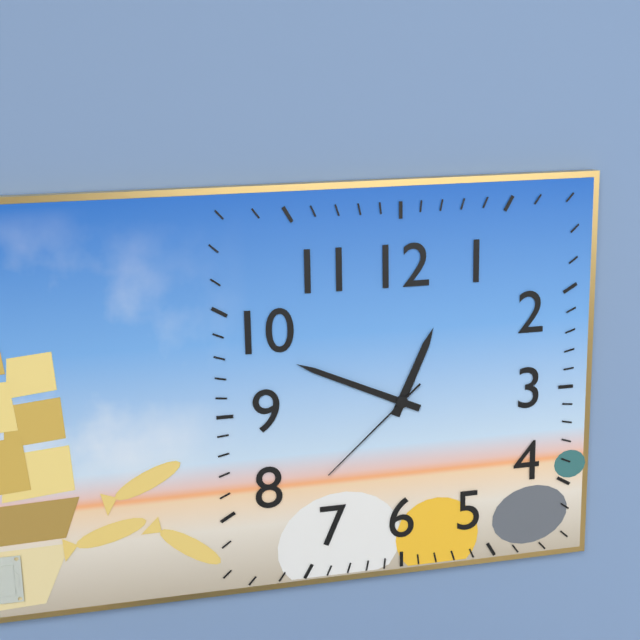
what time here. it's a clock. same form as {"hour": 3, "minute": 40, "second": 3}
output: {"hour": 12, "minute": 49, "second": 38}
